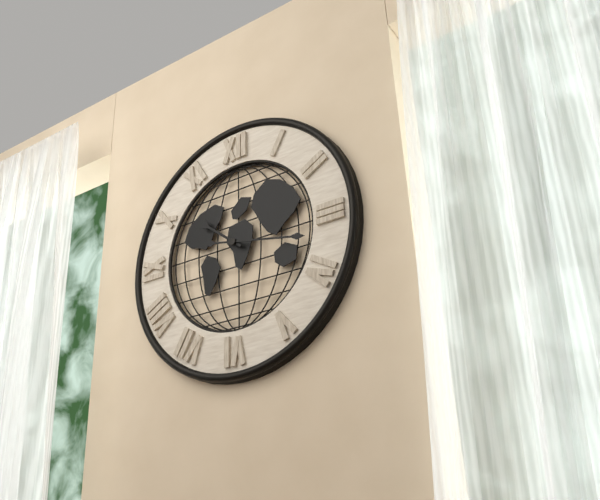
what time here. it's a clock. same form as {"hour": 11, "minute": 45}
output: {"hour": 10, "minute": 17}
